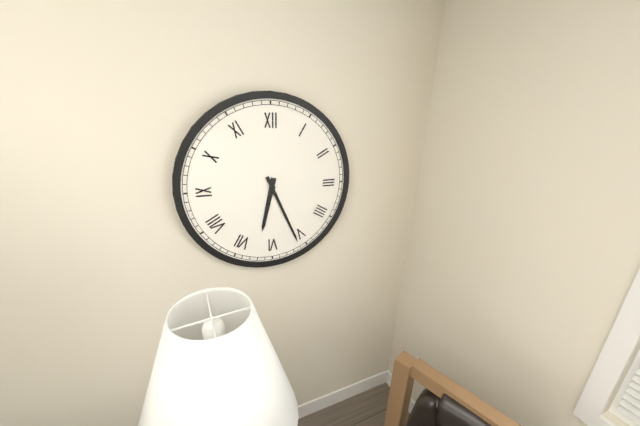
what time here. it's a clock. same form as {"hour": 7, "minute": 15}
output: {"hour": 6, "minute": 26}
